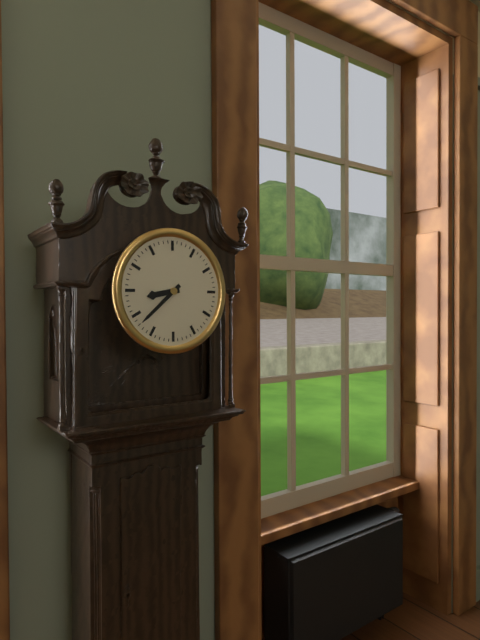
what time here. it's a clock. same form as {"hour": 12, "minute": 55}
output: {"hour": 8, "minute": 38}
